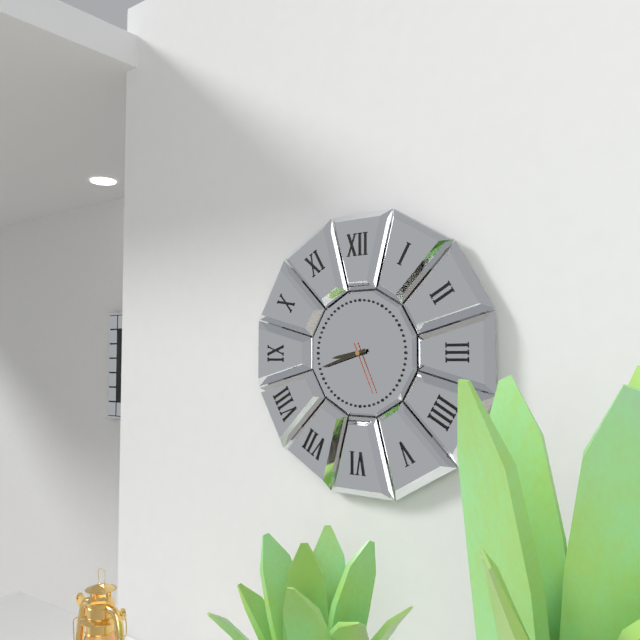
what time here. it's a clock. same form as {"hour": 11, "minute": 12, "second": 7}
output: {"hour": 8, "minute": 42, "second": 26}
